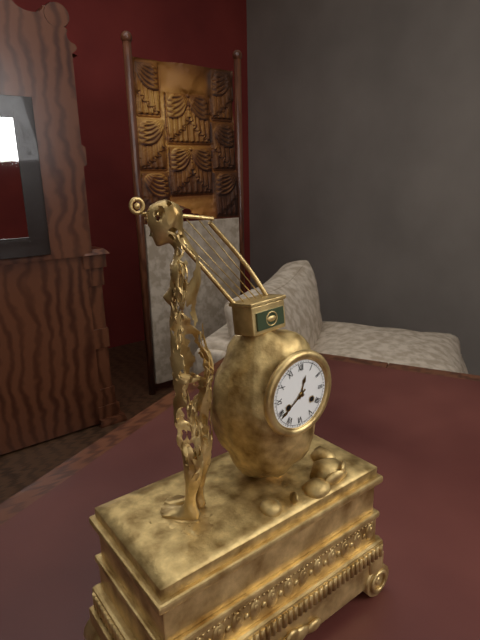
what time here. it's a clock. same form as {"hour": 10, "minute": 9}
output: {"hour": 12, "minute": 39}
